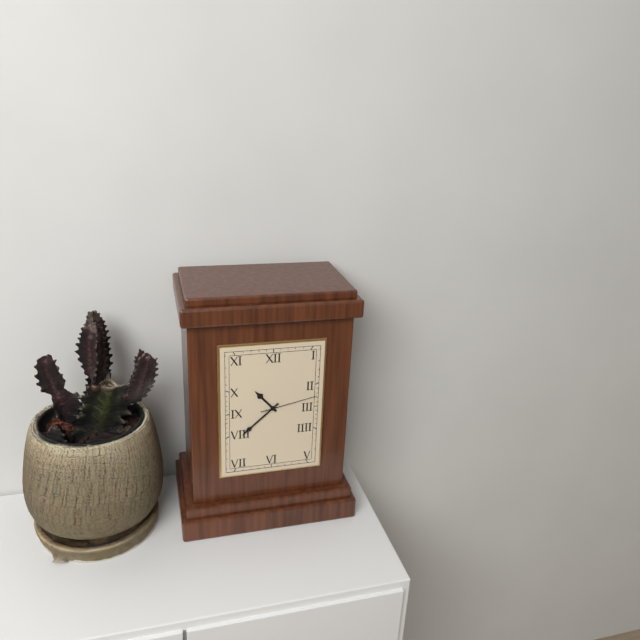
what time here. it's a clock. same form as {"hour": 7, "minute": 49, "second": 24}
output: {"hour": 10, "minute": 38, "second": 13}
